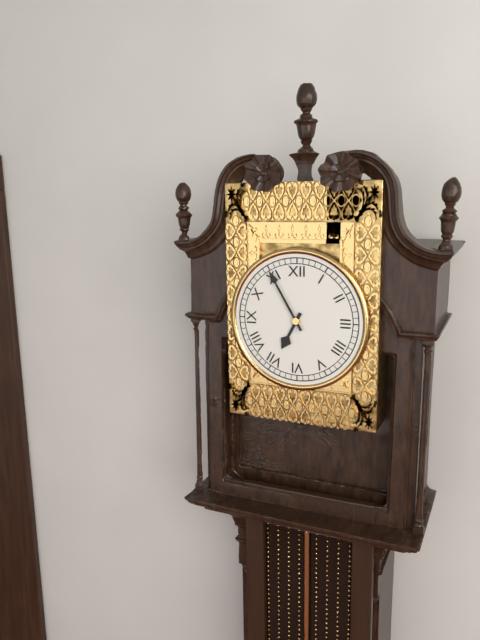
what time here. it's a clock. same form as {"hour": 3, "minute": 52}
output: {"hour": 6, "minute": 55}
